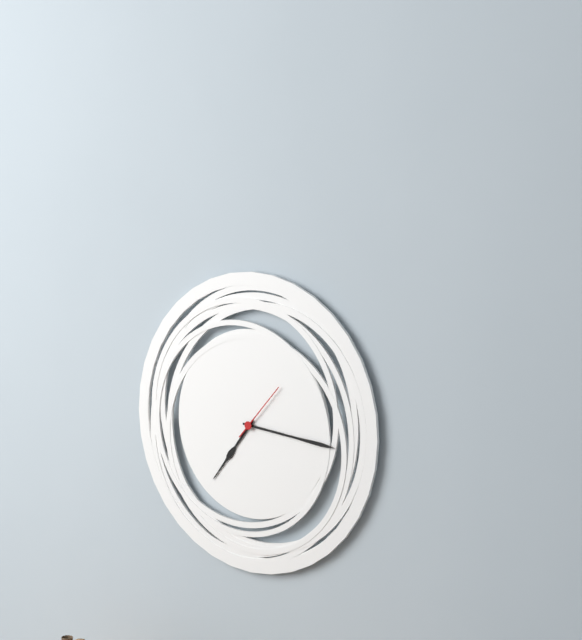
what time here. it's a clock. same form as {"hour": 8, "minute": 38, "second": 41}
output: {"hour": 7, "minute": 16, "second": 7}
